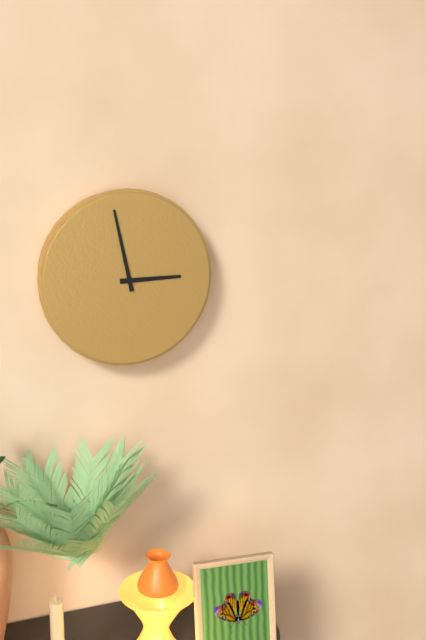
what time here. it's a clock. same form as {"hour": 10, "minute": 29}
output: {"hour": 2, "minute": 58}
